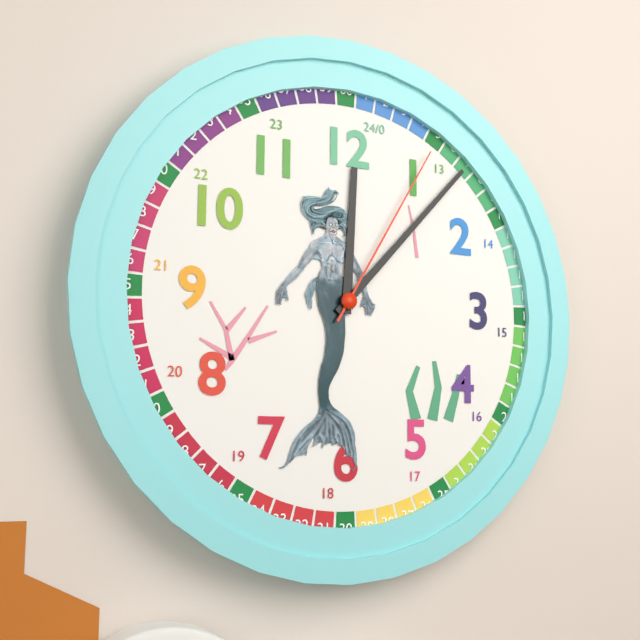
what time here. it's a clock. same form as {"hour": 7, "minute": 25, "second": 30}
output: {"hour": 12, "minute": 7, "second": 5}
